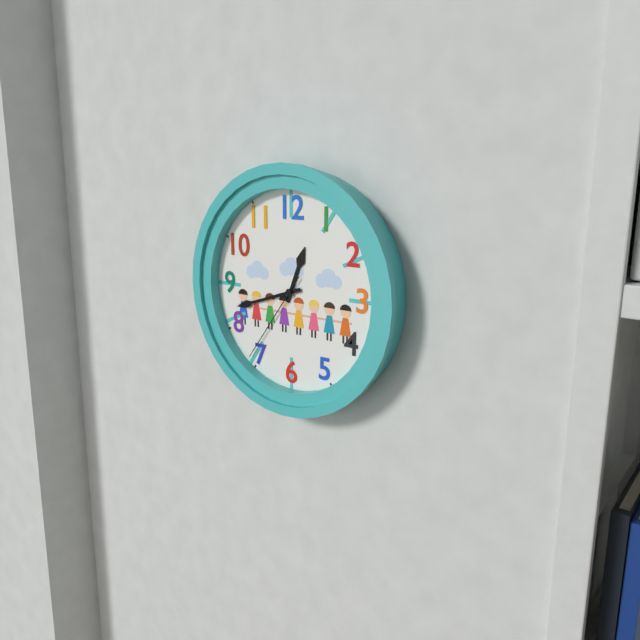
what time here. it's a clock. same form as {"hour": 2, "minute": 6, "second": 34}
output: {"hour": 12, "minute": 42, "second": 36}
